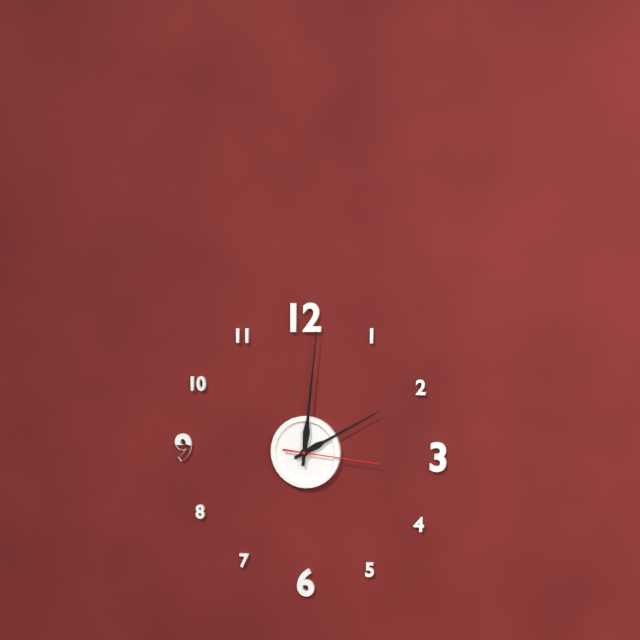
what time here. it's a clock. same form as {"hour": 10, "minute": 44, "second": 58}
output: {"hour": 2, "minute": 1, "second": 16}
